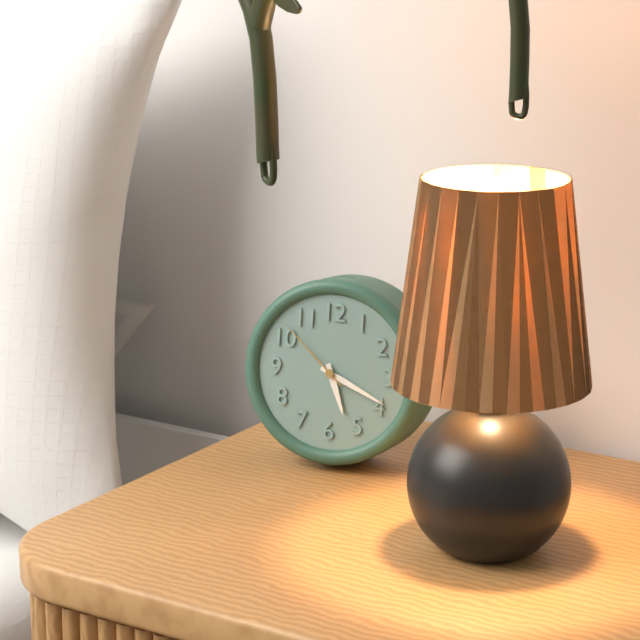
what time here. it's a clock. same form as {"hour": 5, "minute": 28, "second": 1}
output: {"hour": 5, "minute": 19, "second": 52}
